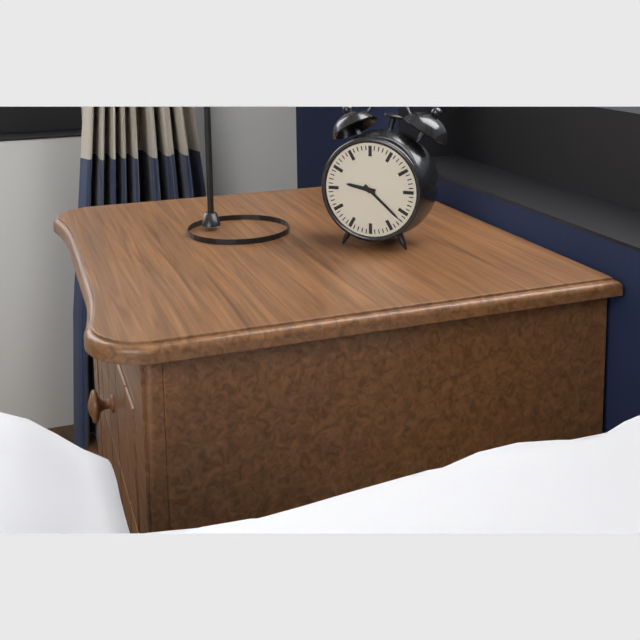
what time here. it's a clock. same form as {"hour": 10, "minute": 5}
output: {"hour": 9, "minute": 22}
